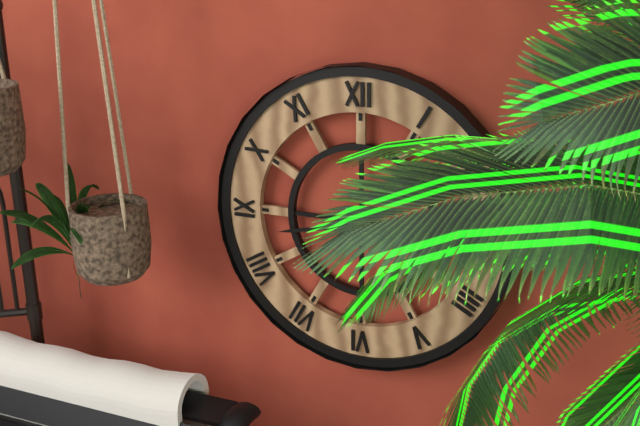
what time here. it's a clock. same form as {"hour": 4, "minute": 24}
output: {"hour": 7, "minute": 43}
